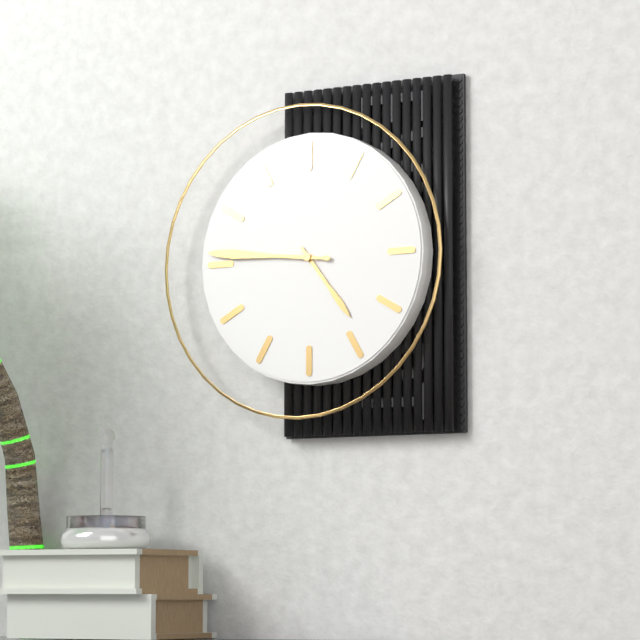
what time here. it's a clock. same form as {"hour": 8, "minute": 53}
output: {"hour": 4, "minute": 46}
